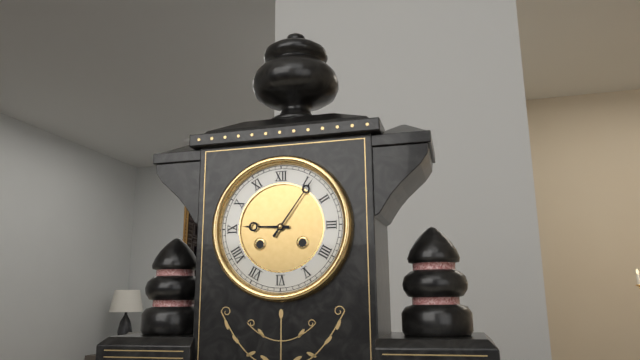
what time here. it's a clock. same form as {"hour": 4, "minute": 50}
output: {"hour": 9, "minute": 6}
